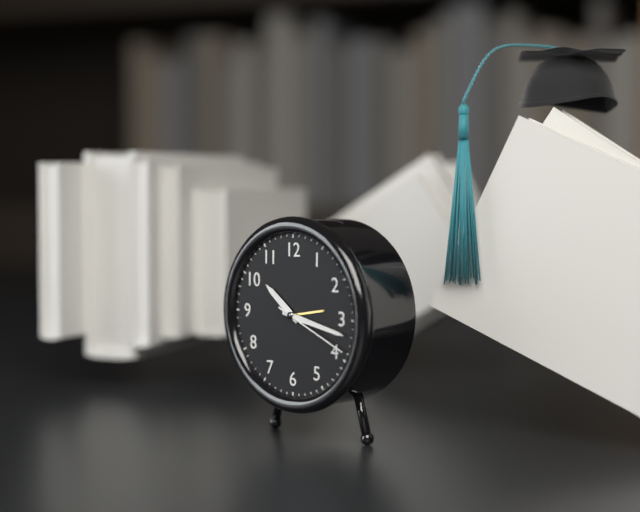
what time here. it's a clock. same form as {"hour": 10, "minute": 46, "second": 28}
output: {"hour": 10, "minute": 17, "second": 19}
